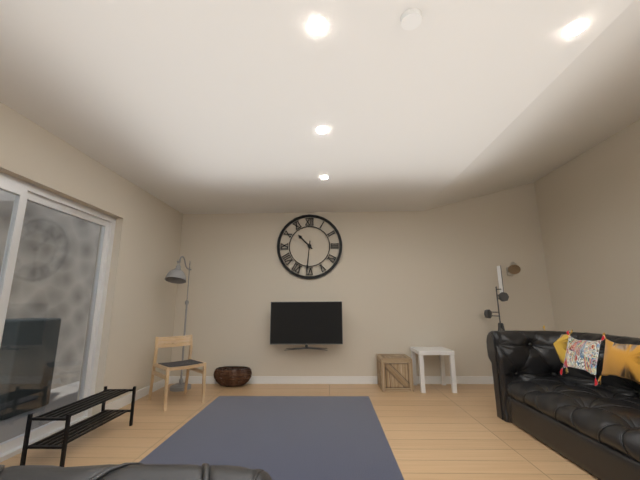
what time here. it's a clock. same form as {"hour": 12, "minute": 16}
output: {"hour": 10, "minute": 31}
